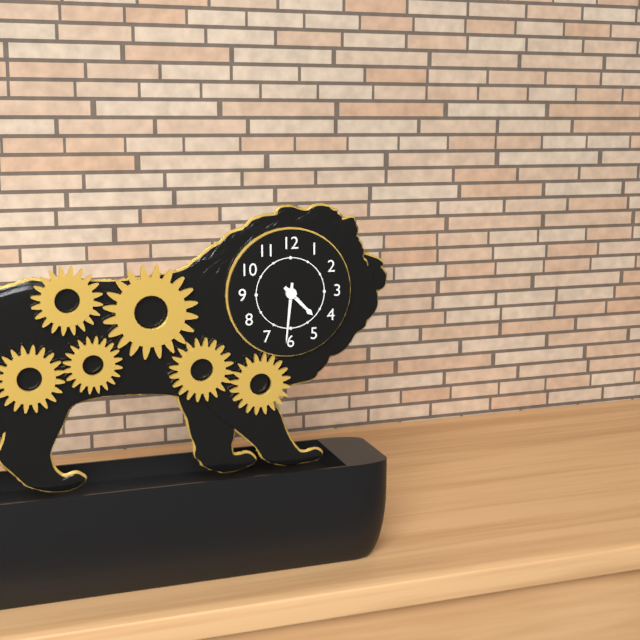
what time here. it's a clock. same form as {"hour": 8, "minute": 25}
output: {"hour": 4, "minute": 31}
